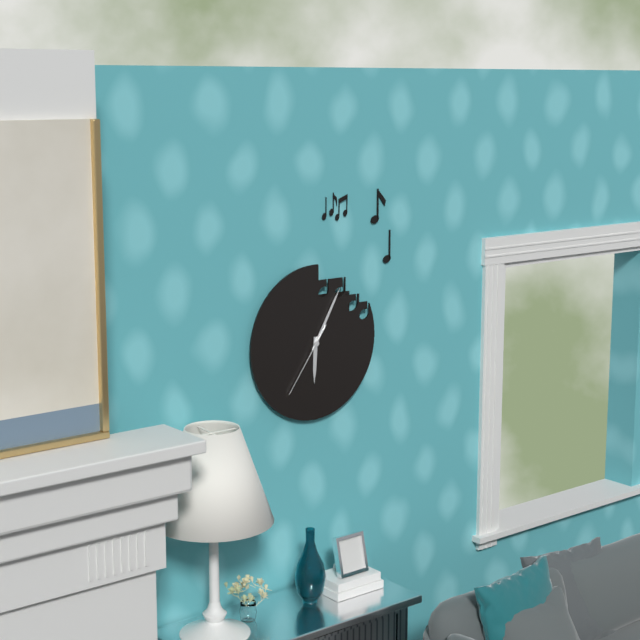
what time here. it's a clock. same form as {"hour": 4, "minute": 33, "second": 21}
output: {"hour": 6, "minute": 5, "second": 36}
